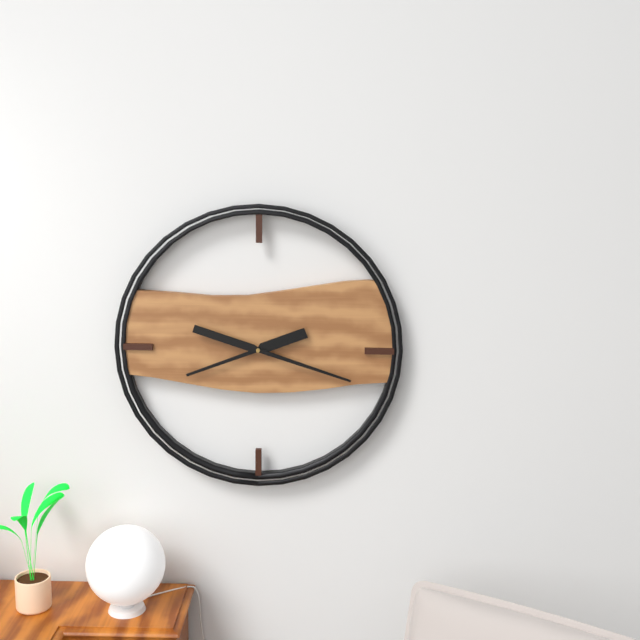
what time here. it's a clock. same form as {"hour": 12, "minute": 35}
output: {"hour": 8, "minute": 18}
